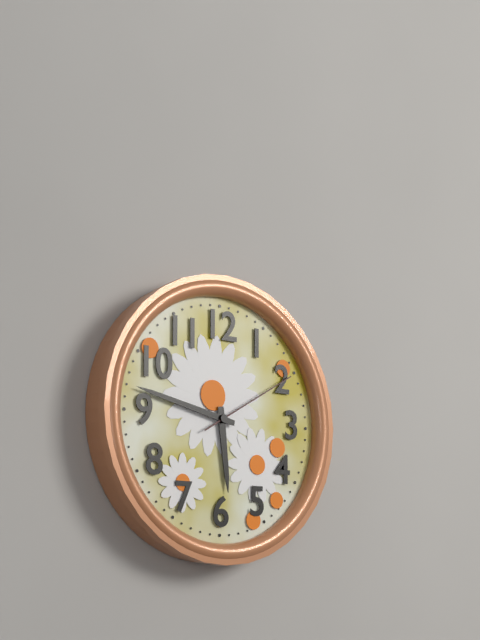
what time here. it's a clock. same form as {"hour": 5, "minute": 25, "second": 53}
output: {"hour": 5, "minute": 47, "second": 10}
